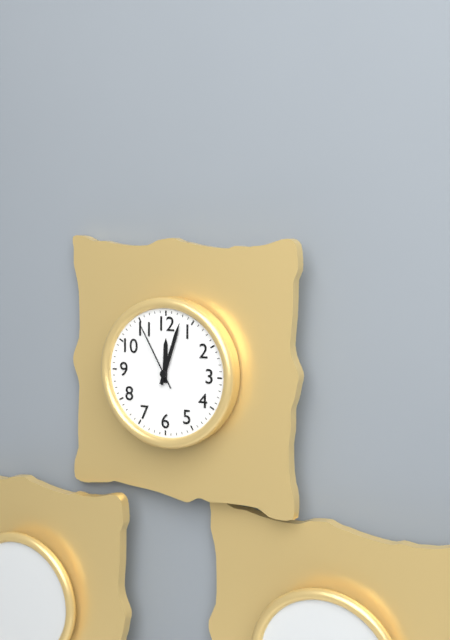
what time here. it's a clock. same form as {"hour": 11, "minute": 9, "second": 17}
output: {"hour": 12, "minute": 3, "second": 55}
